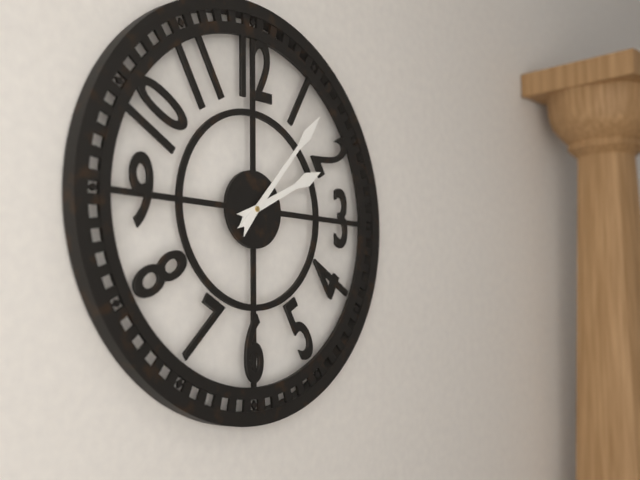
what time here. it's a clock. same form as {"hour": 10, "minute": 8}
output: {"hour": 2, "minute": 7}
